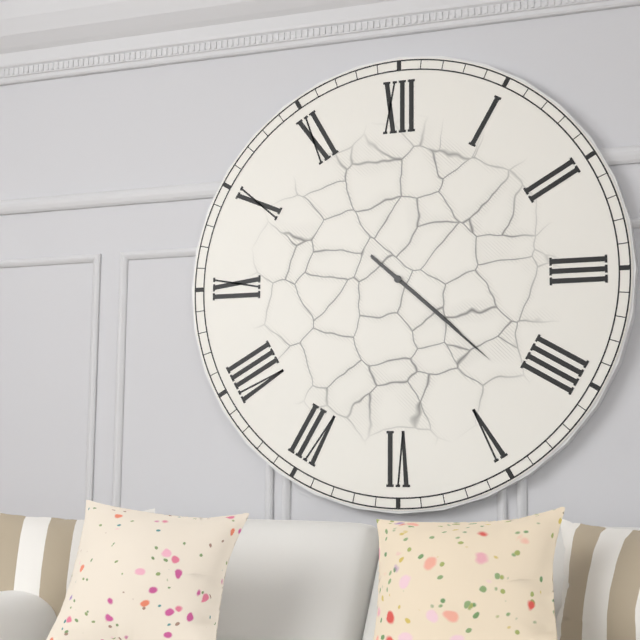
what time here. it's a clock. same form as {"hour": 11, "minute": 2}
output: {"hour": 4, "minute": 22}
